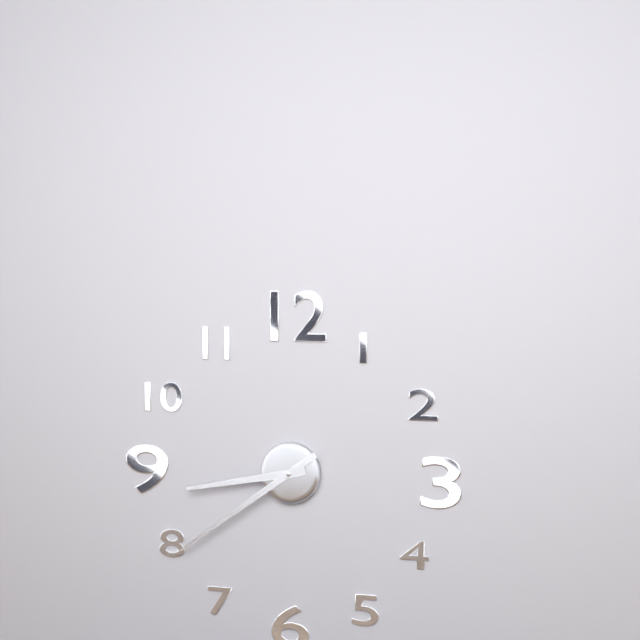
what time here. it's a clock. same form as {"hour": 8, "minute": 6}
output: {"hour": 8, "minute": 39}
